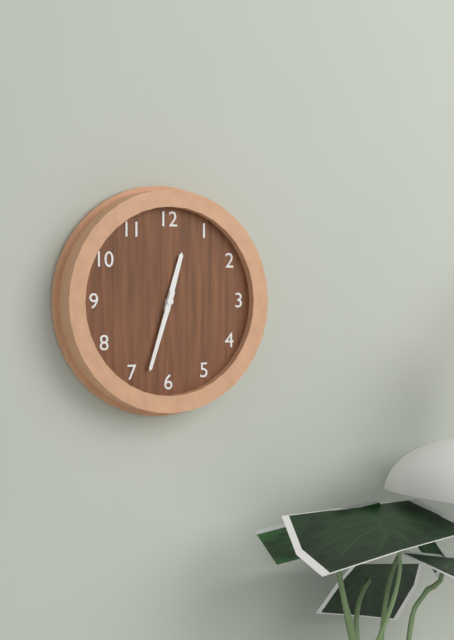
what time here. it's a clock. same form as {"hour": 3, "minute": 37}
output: {"hour": 12, "minute": 33}
